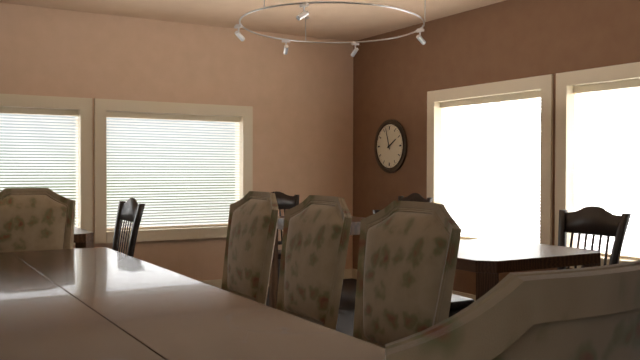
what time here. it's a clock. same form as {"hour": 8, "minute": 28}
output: {"hour": 1, "minute": 57}
